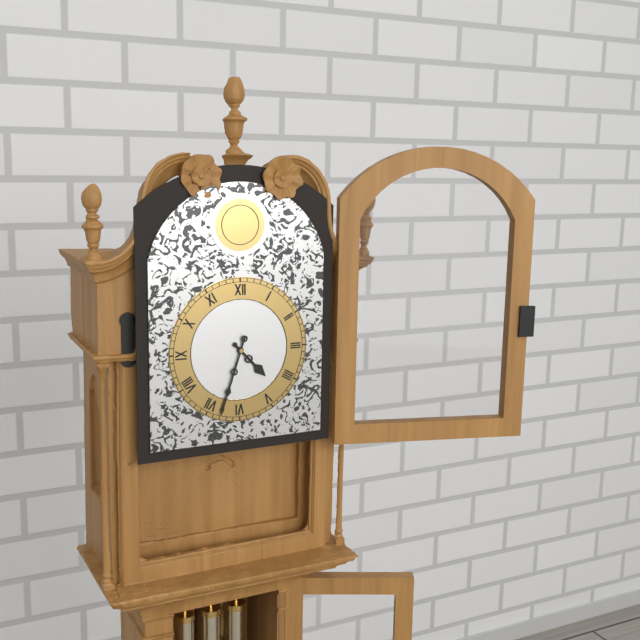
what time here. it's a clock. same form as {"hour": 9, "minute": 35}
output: {"hour": 4, "minute": 33}
